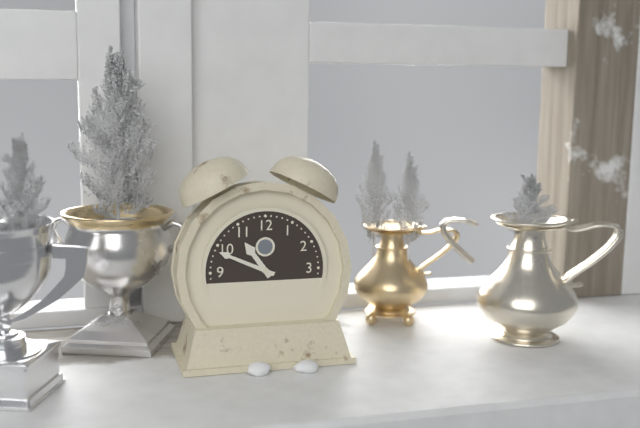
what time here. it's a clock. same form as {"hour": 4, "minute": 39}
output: {"hour": 10, "minute": 49}
